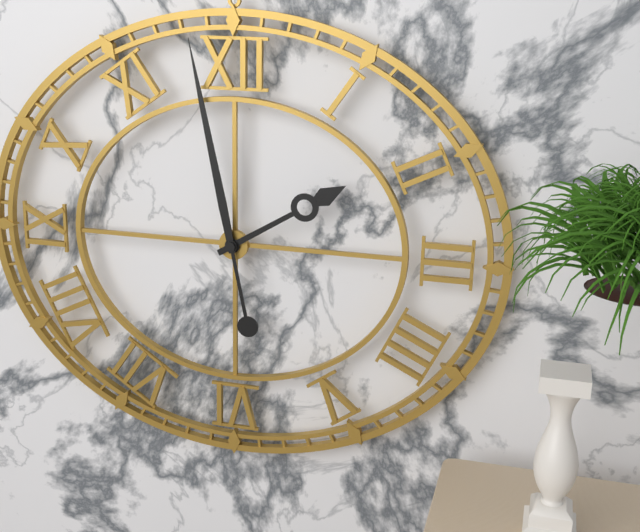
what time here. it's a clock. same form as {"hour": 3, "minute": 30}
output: {"hour": 1, "minute": 58}
